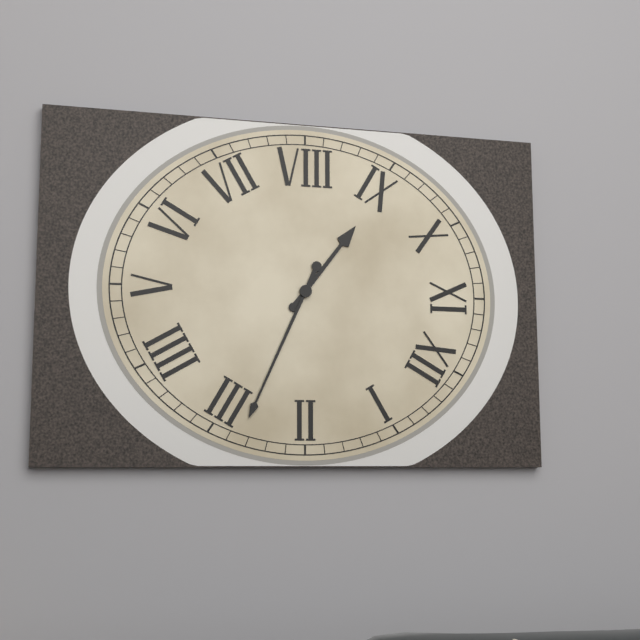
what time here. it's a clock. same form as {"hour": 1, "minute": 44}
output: {"hour": 9, "minute": 14}
